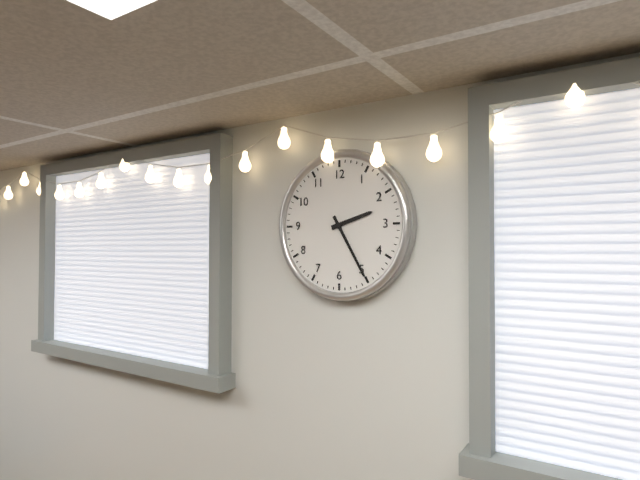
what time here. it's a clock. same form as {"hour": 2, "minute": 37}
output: {"hour": 2, "minute": 25}
